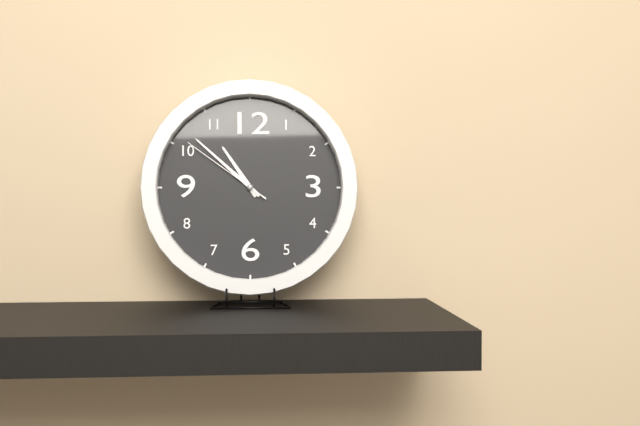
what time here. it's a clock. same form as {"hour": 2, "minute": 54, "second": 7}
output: {"hour": 10, "minute": 52, "second": 51}
